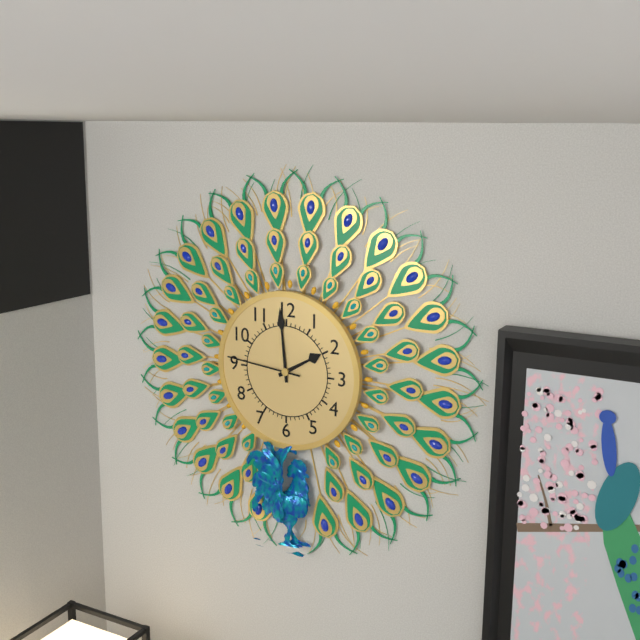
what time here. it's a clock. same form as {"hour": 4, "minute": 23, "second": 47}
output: {"hour": 1, "minute": 59, "second": 46}
